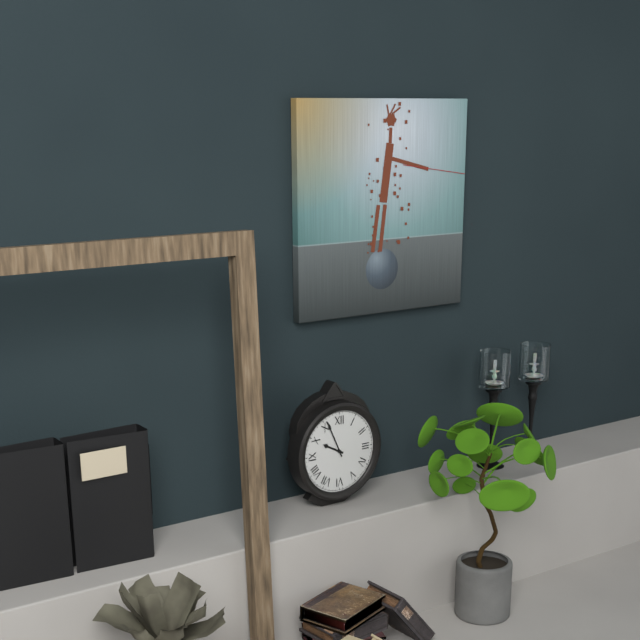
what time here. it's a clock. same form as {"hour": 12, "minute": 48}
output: {"hour": 9, "minute": 56}
